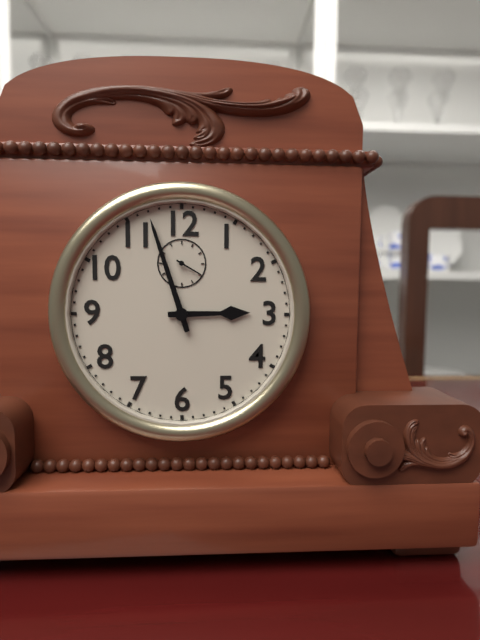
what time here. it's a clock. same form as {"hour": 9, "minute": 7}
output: {"hour": 2, "minute": 57}
